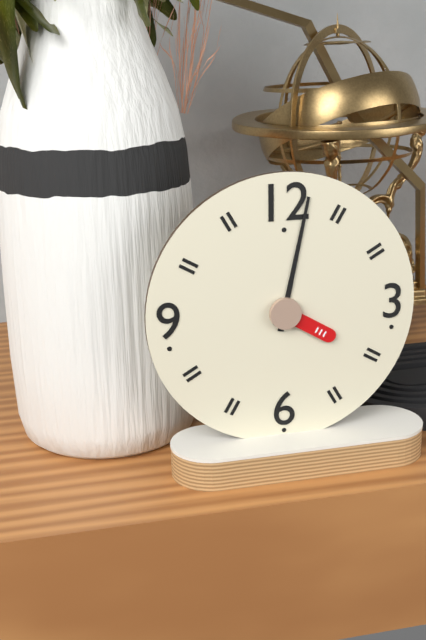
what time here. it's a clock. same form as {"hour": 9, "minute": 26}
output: {"hour": 4, "minute": 2}
